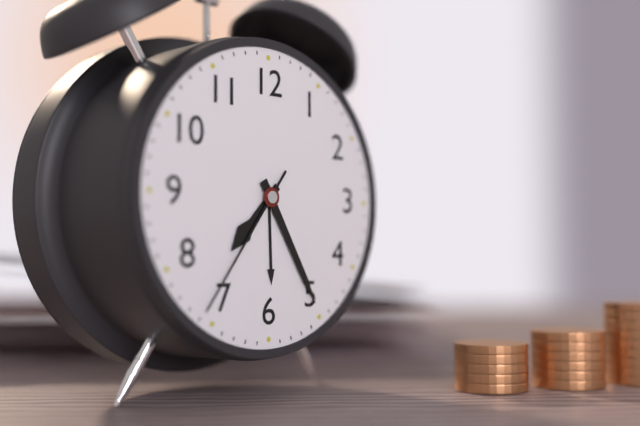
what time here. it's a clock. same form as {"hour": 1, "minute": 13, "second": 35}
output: {"hour": 7, "minute": 25, "second": 36}
